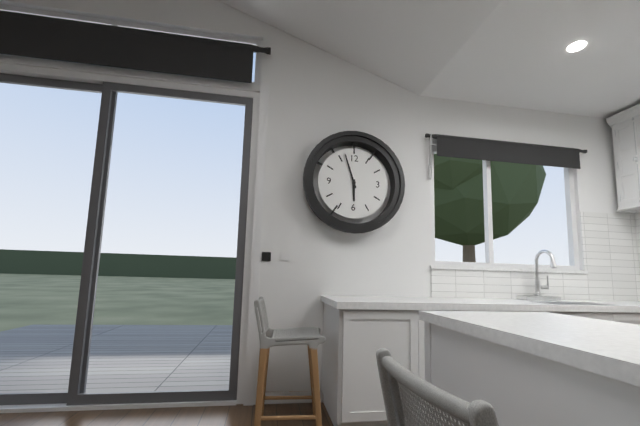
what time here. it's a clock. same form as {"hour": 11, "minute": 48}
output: {"hour": 5, "minute": 57}
